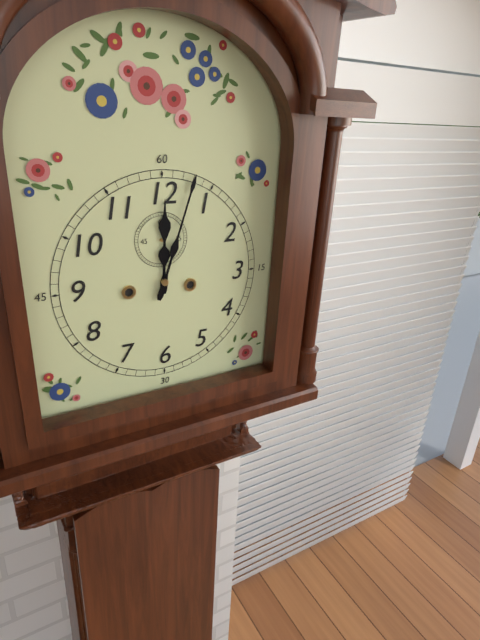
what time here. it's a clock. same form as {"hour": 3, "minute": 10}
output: {"hour": 12, "minute": 3}
